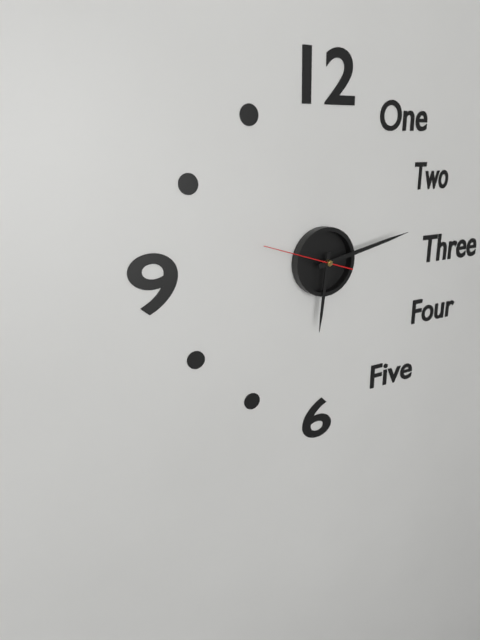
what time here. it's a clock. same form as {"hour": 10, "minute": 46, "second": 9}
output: {"hour": 6, "minute": 13, "second": 48}
